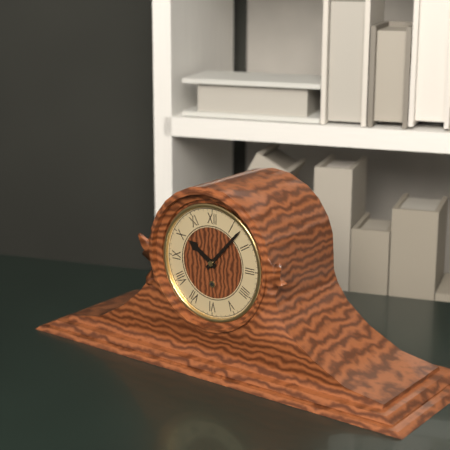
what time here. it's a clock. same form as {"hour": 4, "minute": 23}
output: {"hour": 10, "minute": 7}
